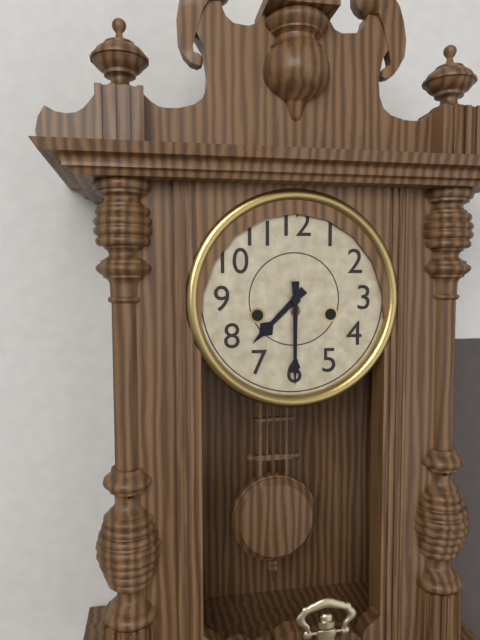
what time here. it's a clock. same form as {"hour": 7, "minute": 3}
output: {"hour": 7, "minute": 30}
